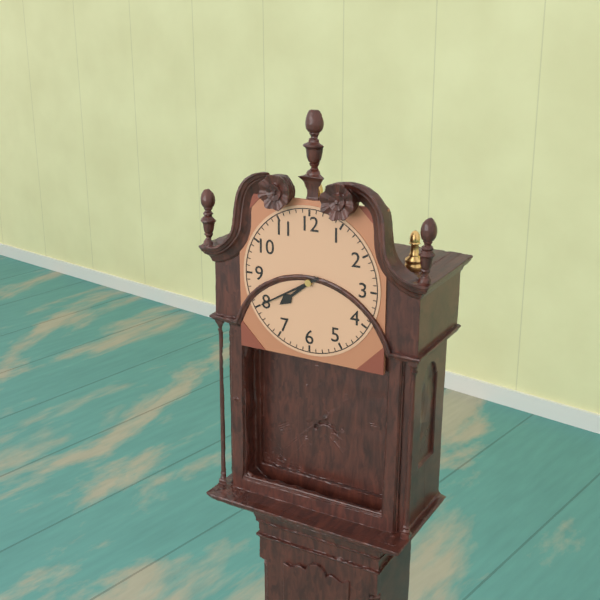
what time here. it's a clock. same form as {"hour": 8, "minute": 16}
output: {"hour": 7, "minute": 40}
